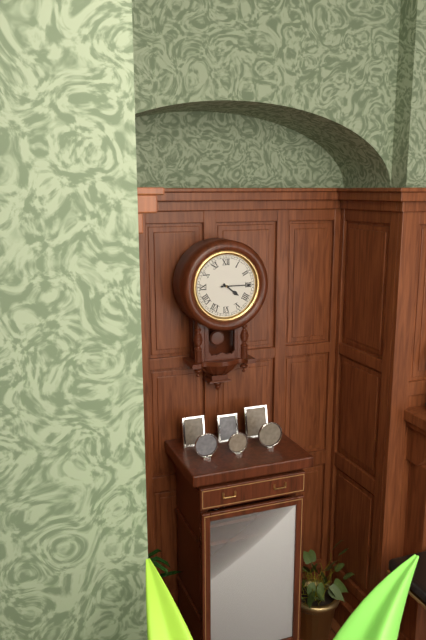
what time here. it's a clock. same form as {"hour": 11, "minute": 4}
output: {"hour": 4, "minute": 15}
